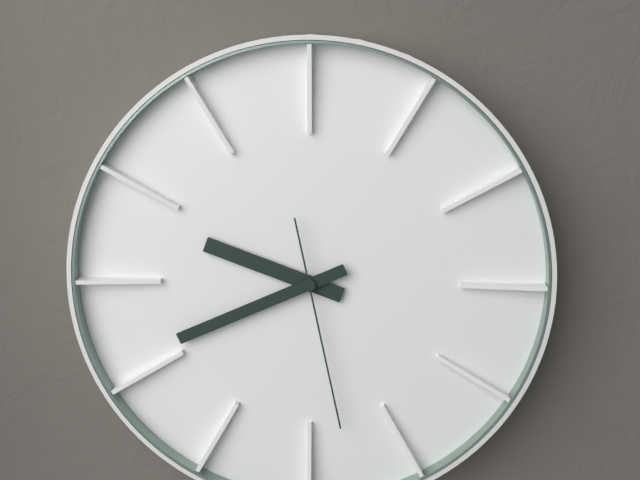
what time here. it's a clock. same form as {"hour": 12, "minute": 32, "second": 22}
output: {"hour": 9, "minute": 41, "second": 28}
